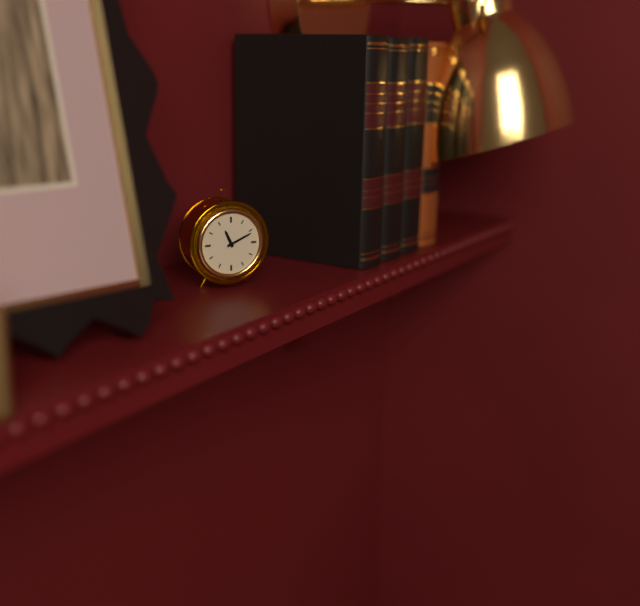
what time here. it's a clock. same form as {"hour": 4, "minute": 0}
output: {"hour": 11, "minute": 11}
